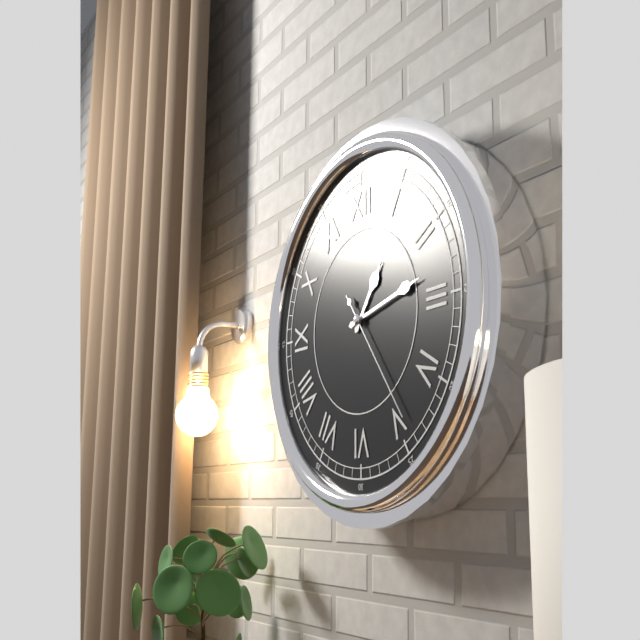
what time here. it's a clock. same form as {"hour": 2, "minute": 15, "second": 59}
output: {"hour": 1, "minute": 13, "second": 24}
